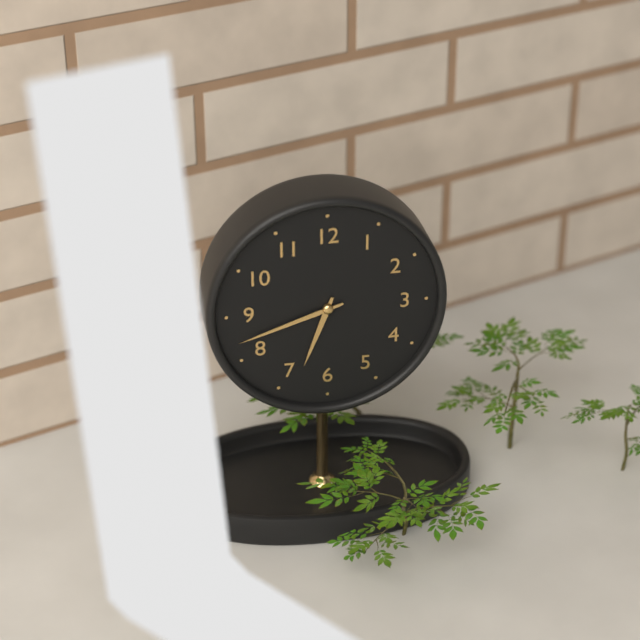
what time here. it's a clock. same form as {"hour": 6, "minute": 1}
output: {"hour": 6, "minute": 42}
